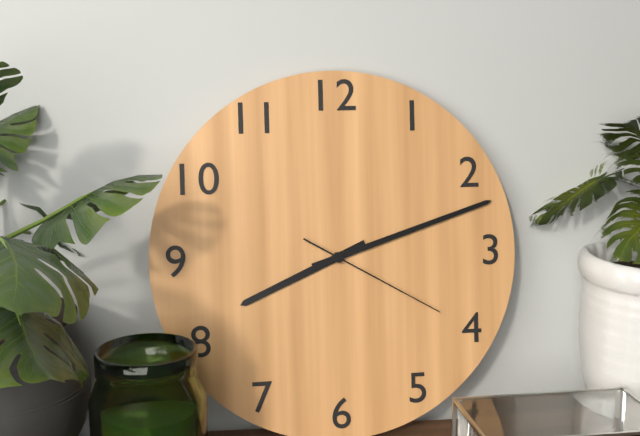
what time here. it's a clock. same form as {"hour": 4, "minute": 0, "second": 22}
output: {"hour": 8, "minute": 12, "second": 20}
